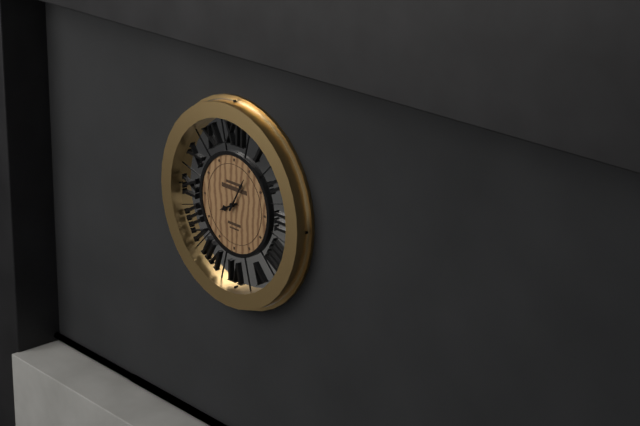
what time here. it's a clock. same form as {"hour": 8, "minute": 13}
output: {"hour": 8, "minute": 5}
